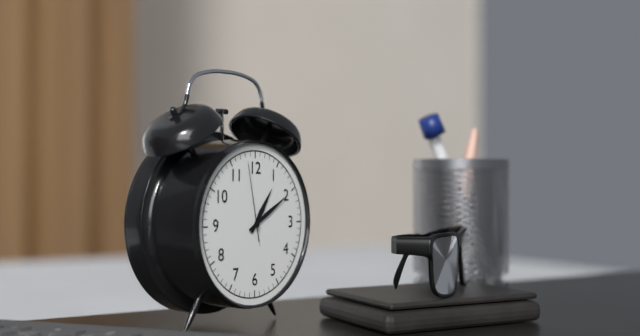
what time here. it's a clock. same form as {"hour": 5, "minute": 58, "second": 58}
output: {"hour": 1, "minute": 10, "second": 58}
